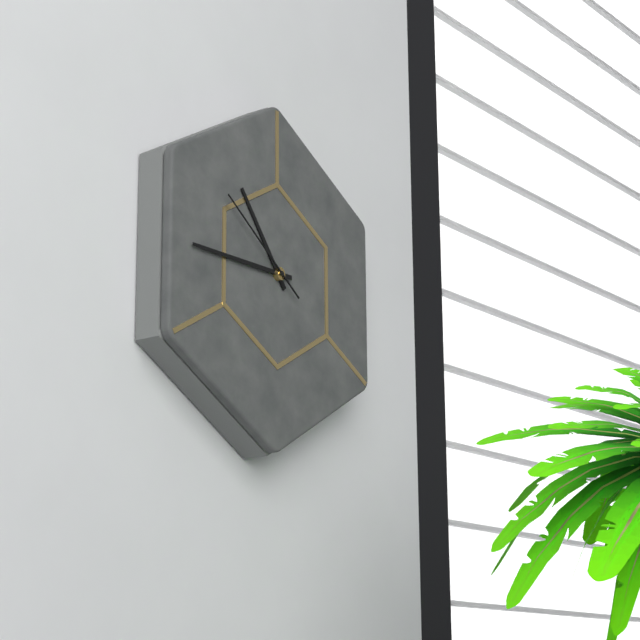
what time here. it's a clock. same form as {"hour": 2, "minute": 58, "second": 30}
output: {"hour": 10, "minute": 45, "second": 51}
